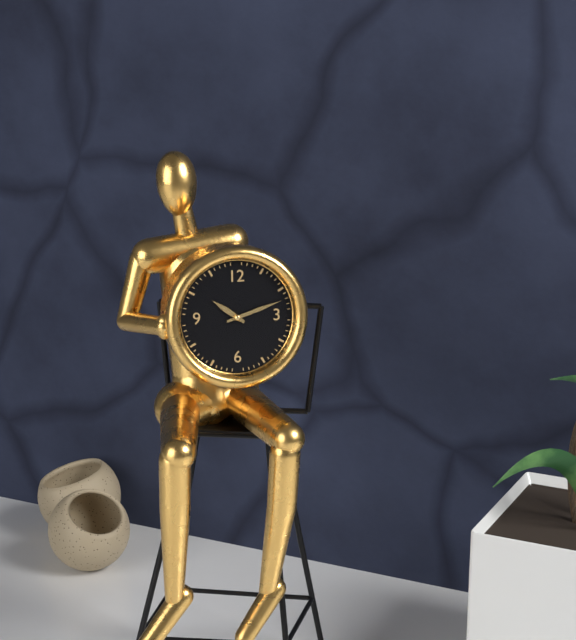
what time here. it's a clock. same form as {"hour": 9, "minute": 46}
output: {"hour": 10, "minute": 12}
